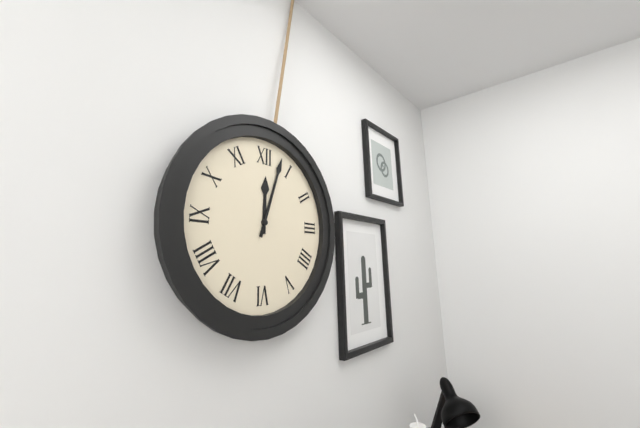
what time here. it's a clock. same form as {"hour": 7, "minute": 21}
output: {"hour": 12, "minute": 3}
